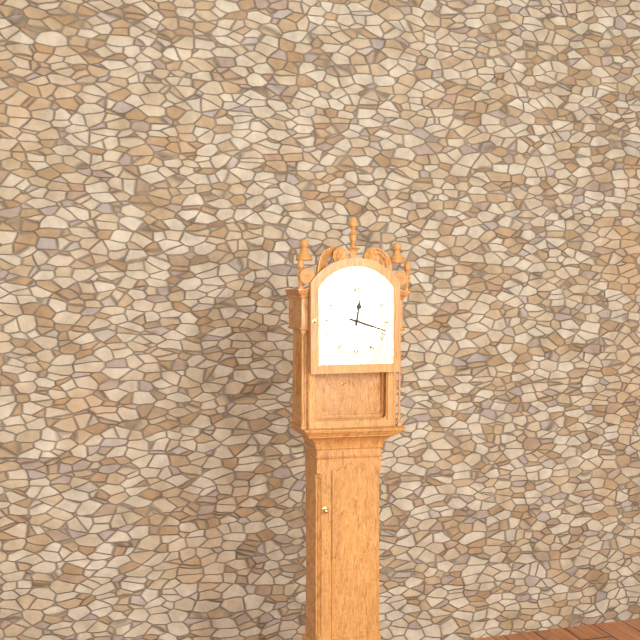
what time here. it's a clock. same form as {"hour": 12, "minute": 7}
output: {"hour": 12, "minute": 18}
